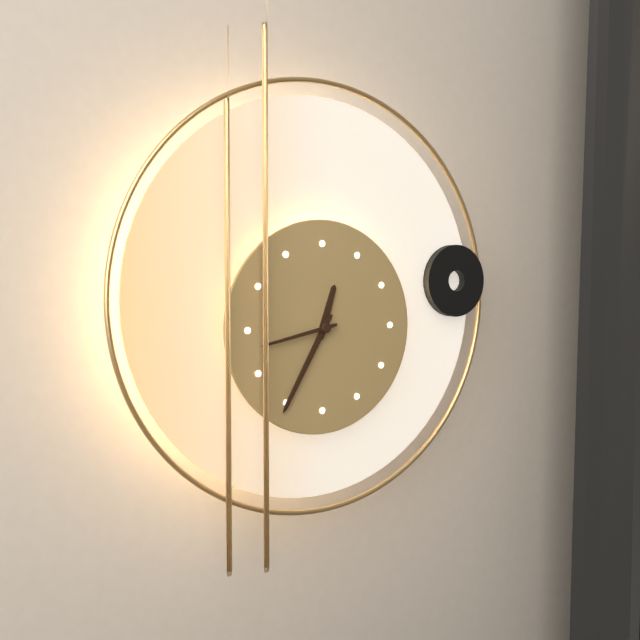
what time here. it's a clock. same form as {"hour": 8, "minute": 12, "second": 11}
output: {"hour": 12, "minute": 35, "second": 43}
